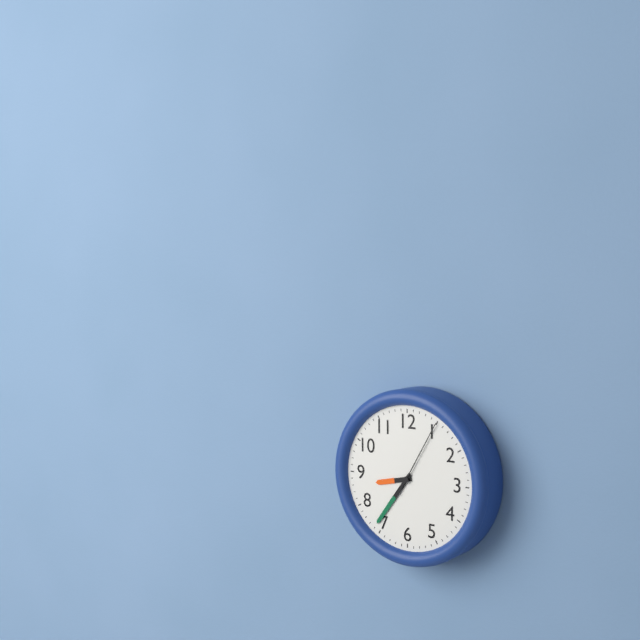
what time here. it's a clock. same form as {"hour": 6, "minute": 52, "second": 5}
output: {"hour": 8, "minute": 36, "second": 5}
